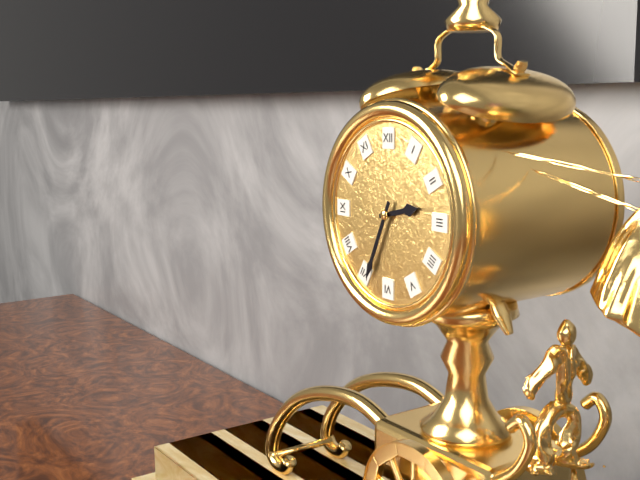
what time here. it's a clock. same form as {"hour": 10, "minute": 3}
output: {"hour": 2, "minute": 34}
